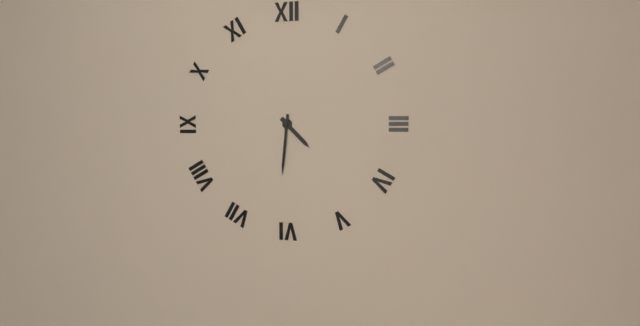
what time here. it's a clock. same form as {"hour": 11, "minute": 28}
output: {"hour": 4, "minute": 31}
